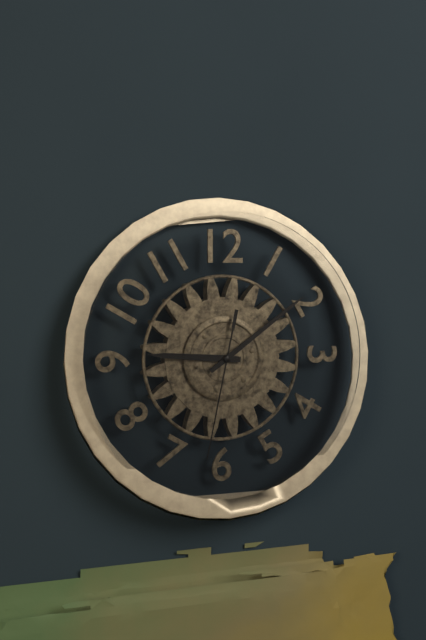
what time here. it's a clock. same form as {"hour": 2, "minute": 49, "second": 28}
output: {"hour": 9, "minute": 9, "second": 32}
